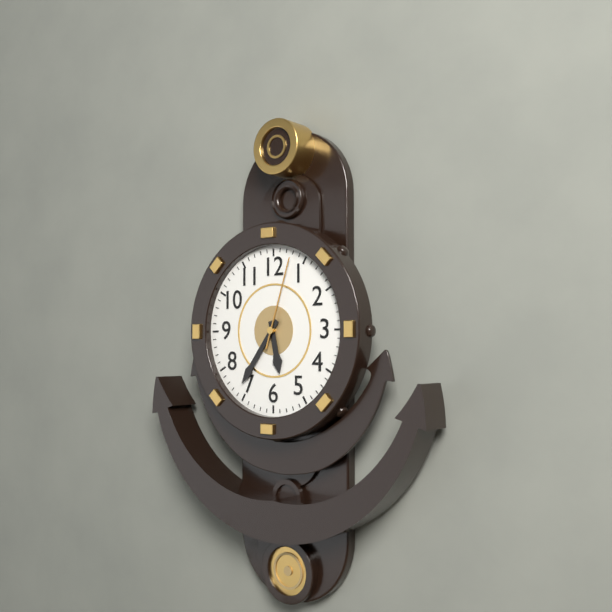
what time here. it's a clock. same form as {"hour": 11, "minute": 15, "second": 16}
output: {"hour": 5, "minute": 36, "second": 3}
